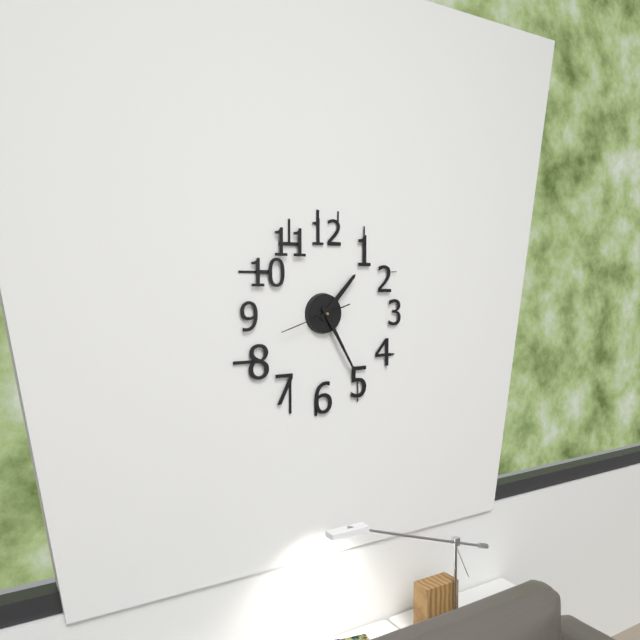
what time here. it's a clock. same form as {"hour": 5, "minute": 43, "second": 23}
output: {"hour": 1, "minute": 25, "second": 42}
